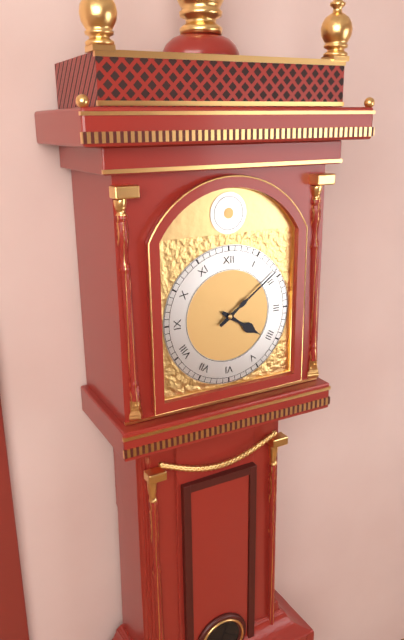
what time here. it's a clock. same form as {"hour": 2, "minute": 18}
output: {"hour": 4, "minute": 9}
